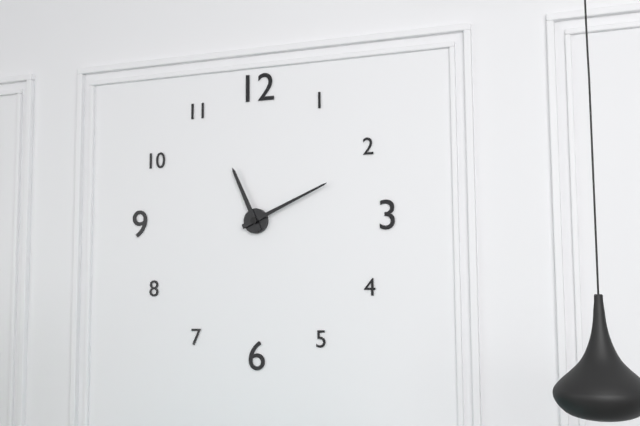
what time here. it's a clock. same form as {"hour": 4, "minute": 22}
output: {"hour": 11, "minute": 11}
